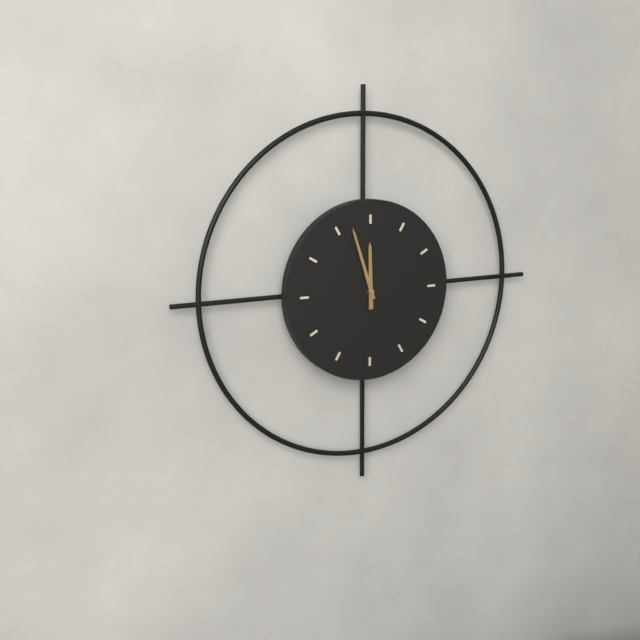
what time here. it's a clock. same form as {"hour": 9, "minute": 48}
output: {"hour": 11, "minute": 57}
